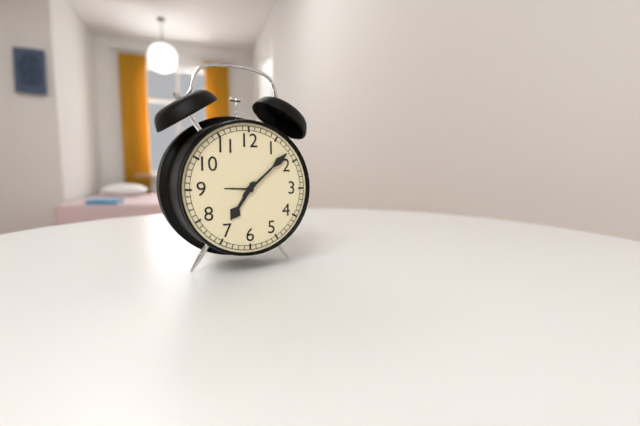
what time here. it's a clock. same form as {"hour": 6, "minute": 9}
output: {"hour": 7, "minute": 8}
